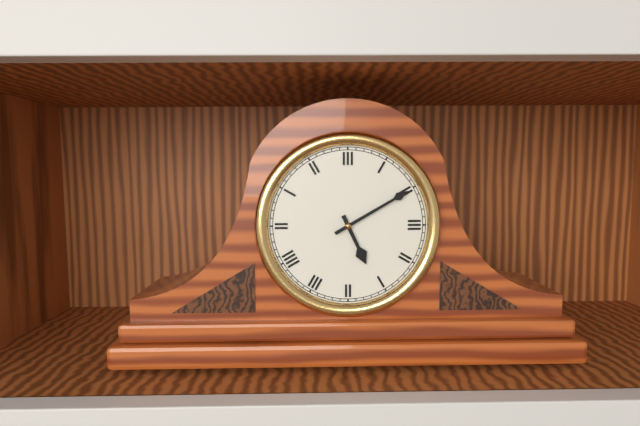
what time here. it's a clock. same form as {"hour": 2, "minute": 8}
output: {"hour": 5, "minute": 10}
